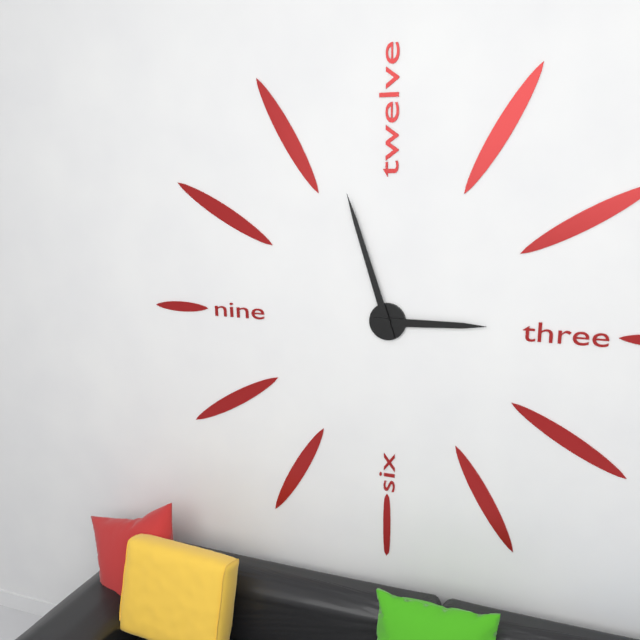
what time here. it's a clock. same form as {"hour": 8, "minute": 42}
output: {"hour": 2, "minute": 57}
